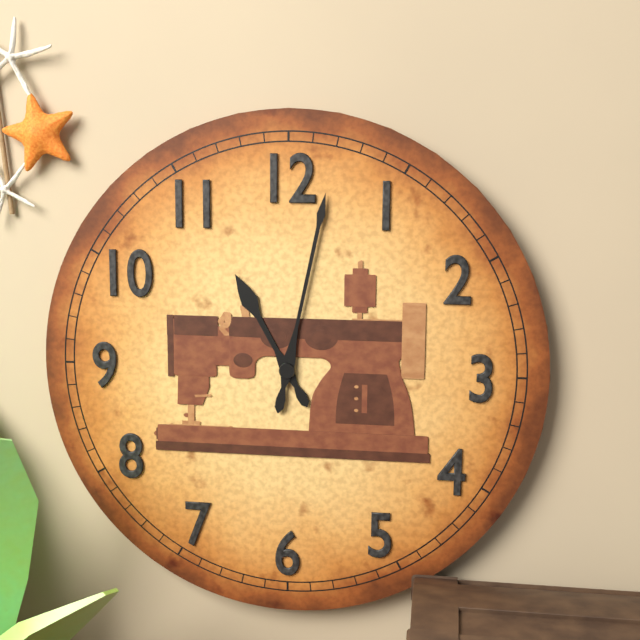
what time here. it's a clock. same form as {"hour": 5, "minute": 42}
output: {"hour": 11, "minute": 2}
